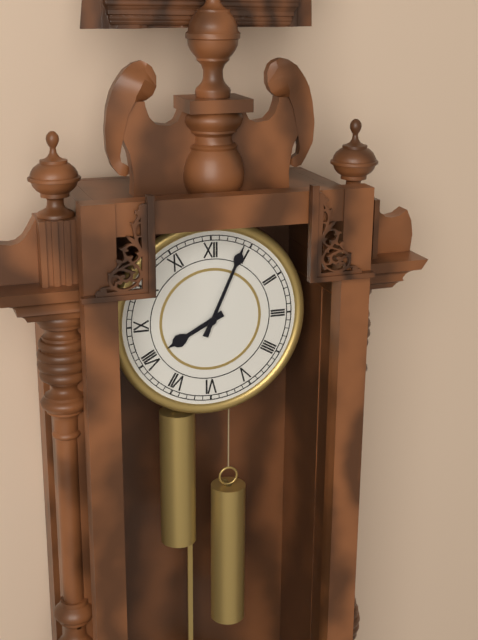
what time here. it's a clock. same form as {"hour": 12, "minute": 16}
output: {"hour": 8, "minute": 4}
